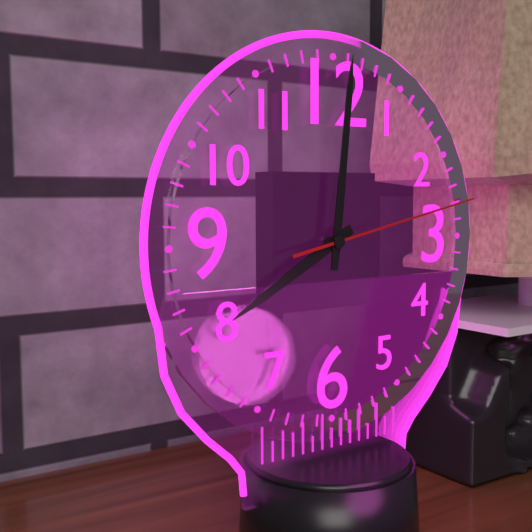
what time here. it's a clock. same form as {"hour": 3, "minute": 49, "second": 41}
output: {"hour": 8, "minute": 1, "second": 13}
